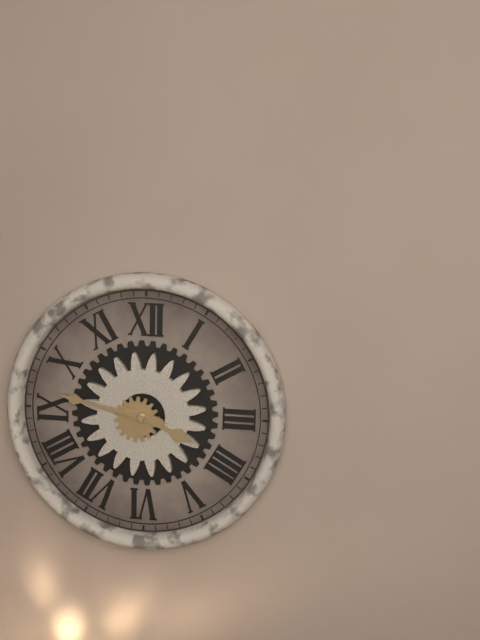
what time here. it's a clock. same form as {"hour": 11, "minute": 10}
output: {"hour": 3, "minute": 47}
